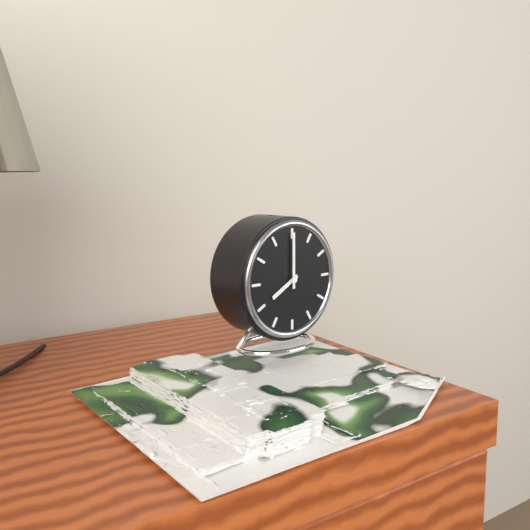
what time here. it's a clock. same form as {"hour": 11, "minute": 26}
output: {"hour": 8, "minute": 0}
